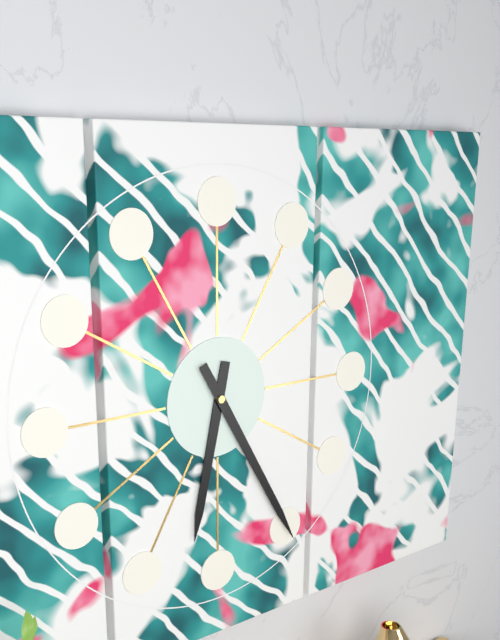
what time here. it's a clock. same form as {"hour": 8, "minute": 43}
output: {"hour": 6, "minute": 25}
